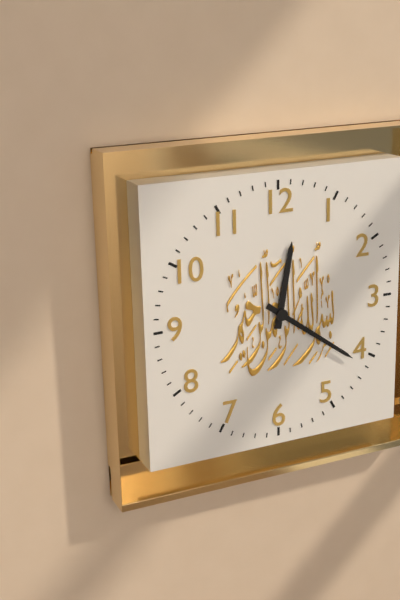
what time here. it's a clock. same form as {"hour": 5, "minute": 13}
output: {"hour": 12, "minute": 21}
